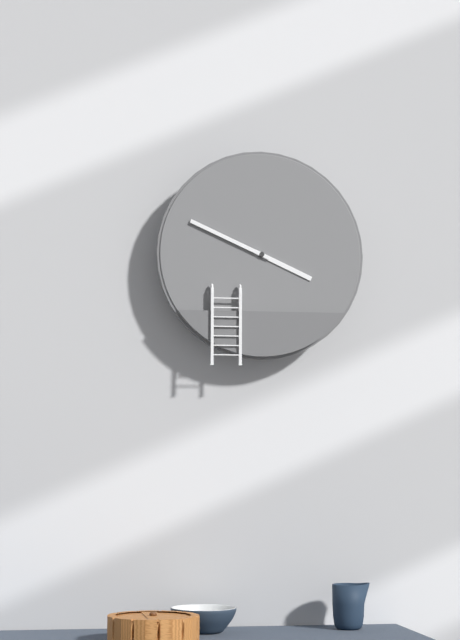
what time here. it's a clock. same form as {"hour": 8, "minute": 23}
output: {"hour": 3, "minute": 49}
